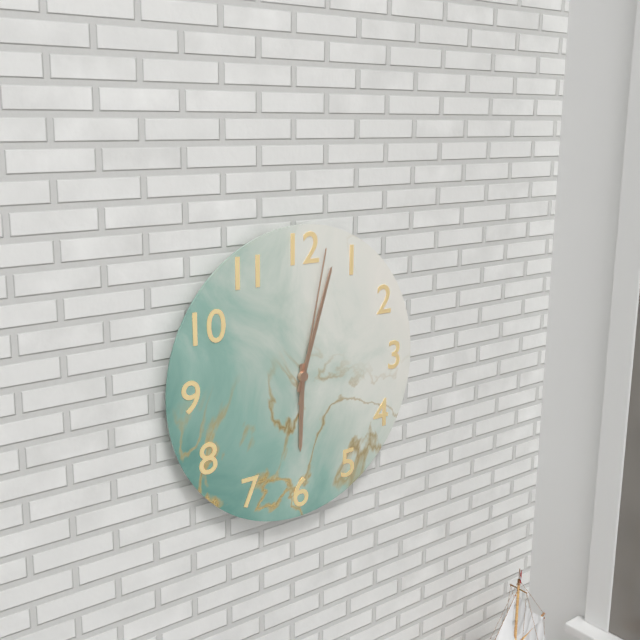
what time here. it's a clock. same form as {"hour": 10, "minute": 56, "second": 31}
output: {"hour": 6, "minute": 3, "second": 2}
